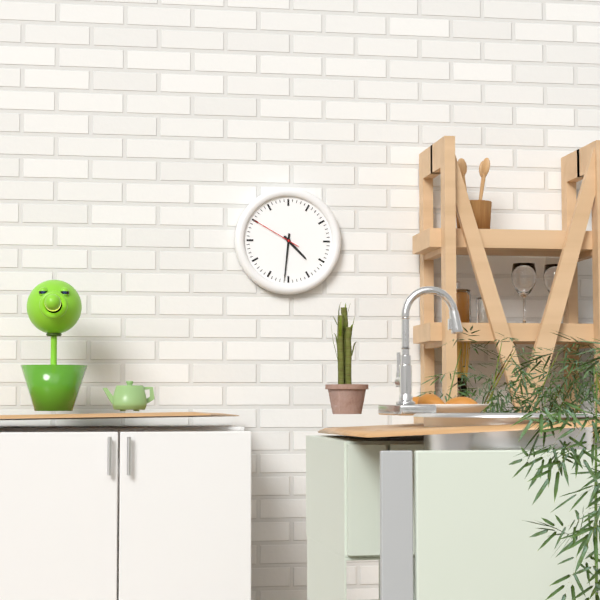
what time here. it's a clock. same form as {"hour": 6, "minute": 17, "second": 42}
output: {"hour": 4, "minute": 31, "second": 50}
